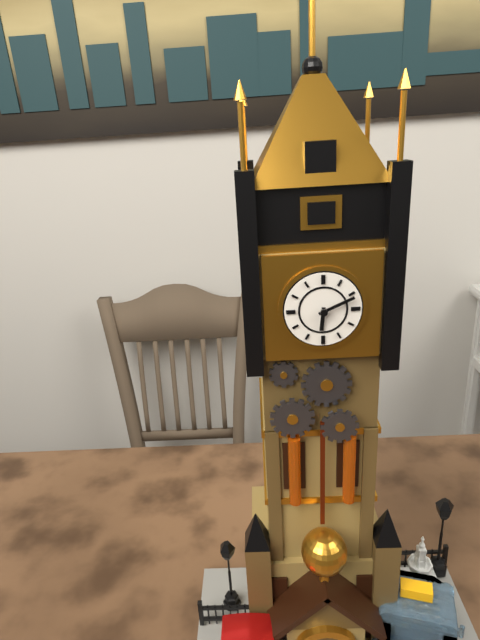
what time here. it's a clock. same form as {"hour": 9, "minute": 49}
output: {"hour": 6, "minute": 11}
